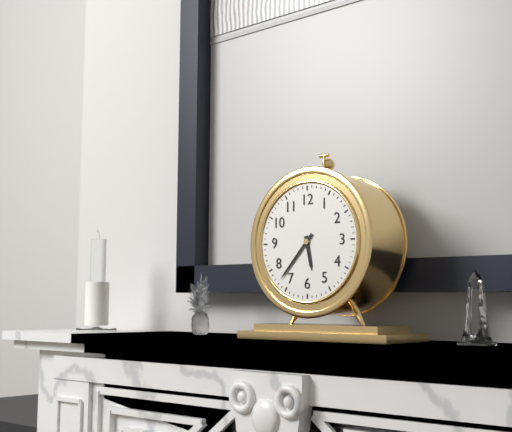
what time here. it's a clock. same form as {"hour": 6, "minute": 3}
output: {"hour": 5, "minute": 37}
